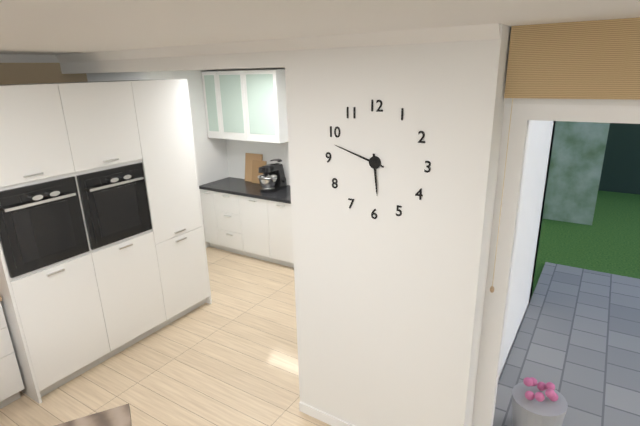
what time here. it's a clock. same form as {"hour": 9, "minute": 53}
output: {"hour": 5, "minute": 48}
